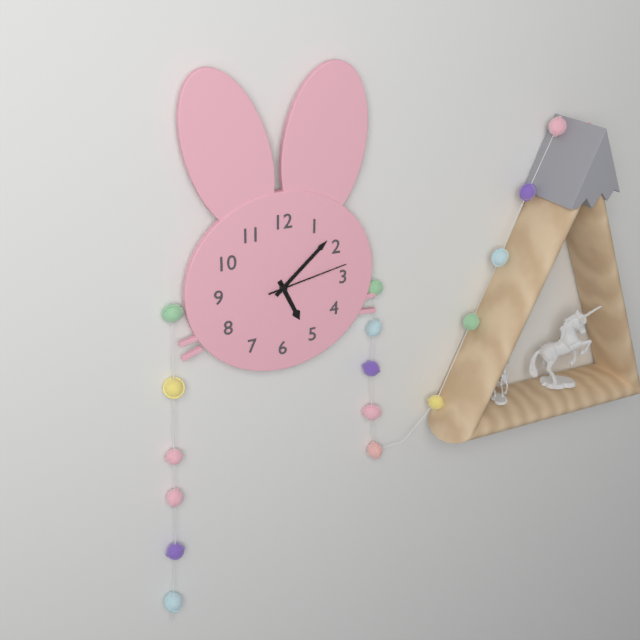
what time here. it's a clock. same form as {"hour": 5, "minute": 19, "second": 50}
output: {"hour": 5, "minute": 8, "second": 13}
